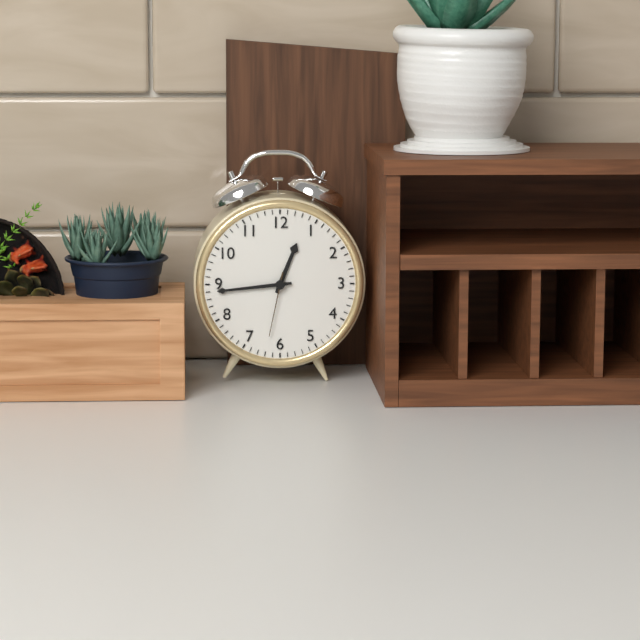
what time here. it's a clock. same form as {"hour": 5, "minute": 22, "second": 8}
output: {"hour": 12, "minute": 44, "second": 32}
